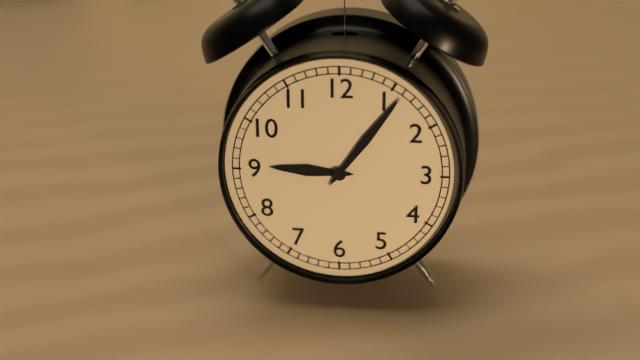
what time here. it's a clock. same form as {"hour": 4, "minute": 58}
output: {"hour": 9, "minute": 6}
